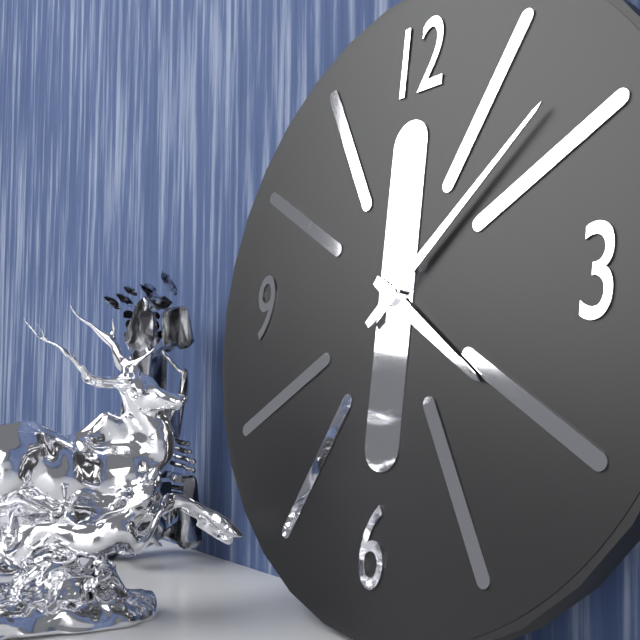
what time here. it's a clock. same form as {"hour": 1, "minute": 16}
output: {"hour": 4, "minute": 8}
